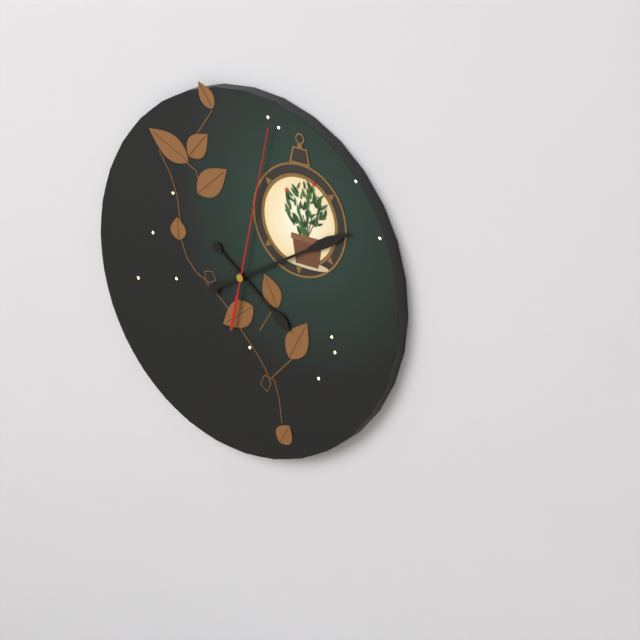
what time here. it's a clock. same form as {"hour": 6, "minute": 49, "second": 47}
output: {"hour": 4, "minute": 10, "second": 2}
